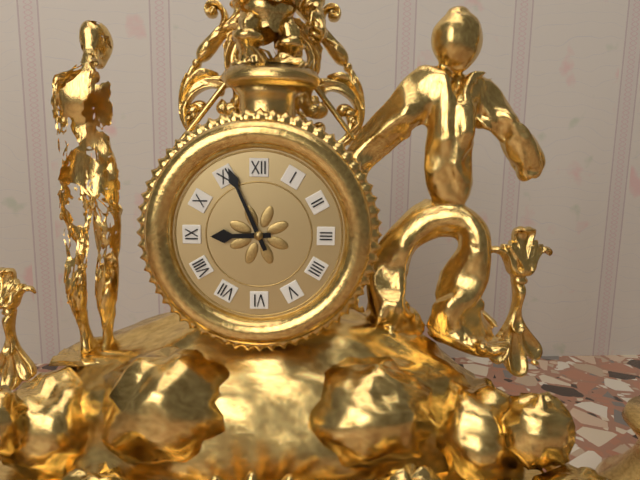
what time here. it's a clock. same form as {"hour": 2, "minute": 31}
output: {"hour": 8, "minute": 56}
